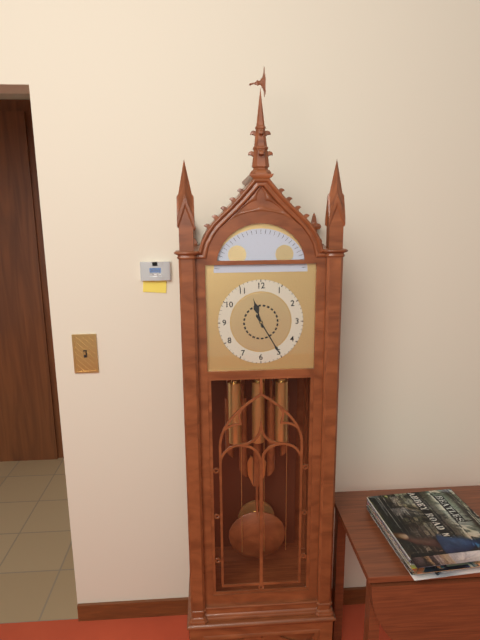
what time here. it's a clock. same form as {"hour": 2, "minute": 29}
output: {"hour": 11, "minute": 25}
